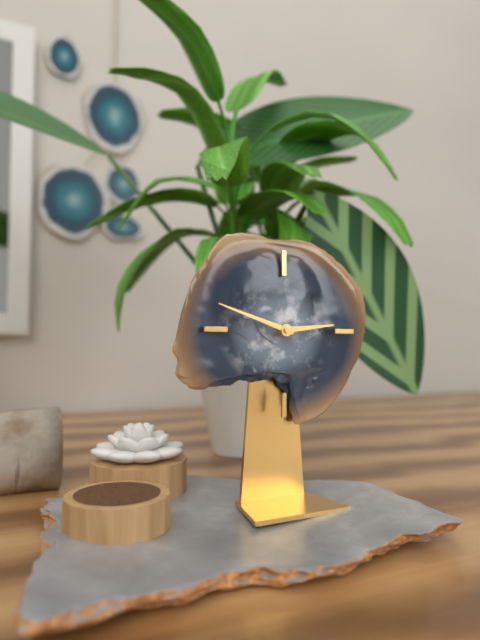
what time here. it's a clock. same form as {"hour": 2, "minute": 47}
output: {"hour": 2, "minute": 48}
